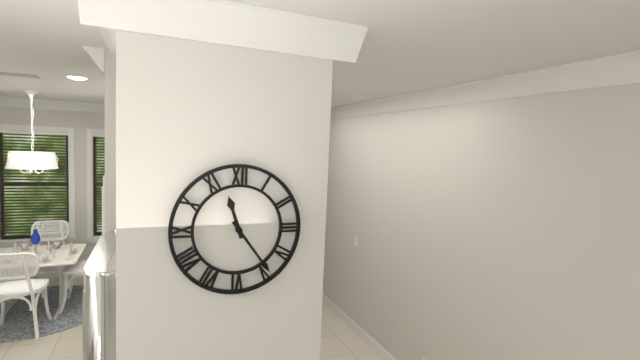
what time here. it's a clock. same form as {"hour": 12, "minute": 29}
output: {"hour": 11, "minute": 24}
